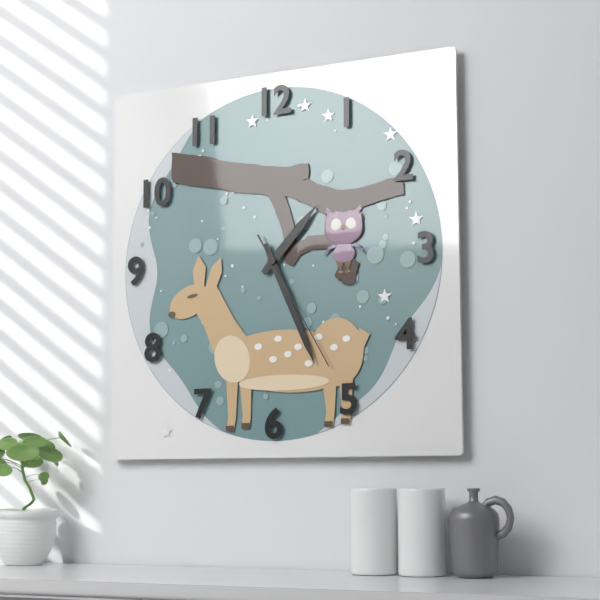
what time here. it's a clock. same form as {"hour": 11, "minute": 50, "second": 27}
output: {"hour": 1, "minute": 26, "second": 25}
